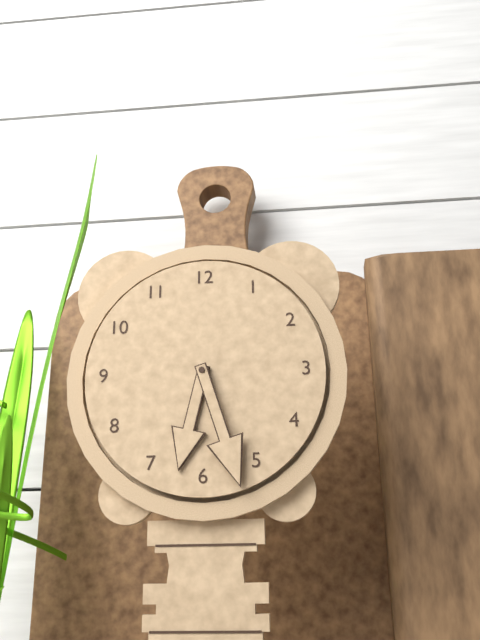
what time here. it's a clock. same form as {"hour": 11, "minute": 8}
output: {"hour": 6, "minute": 27}
